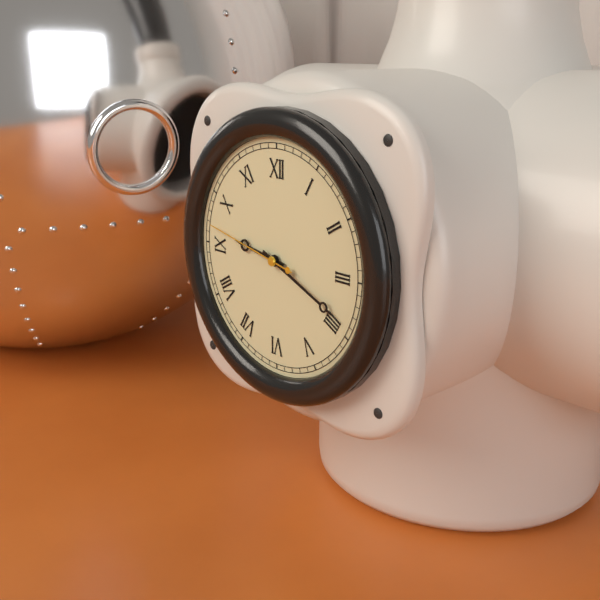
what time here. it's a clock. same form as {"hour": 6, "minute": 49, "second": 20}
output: {"hour": 9, "minute": 19, "second": 47}
